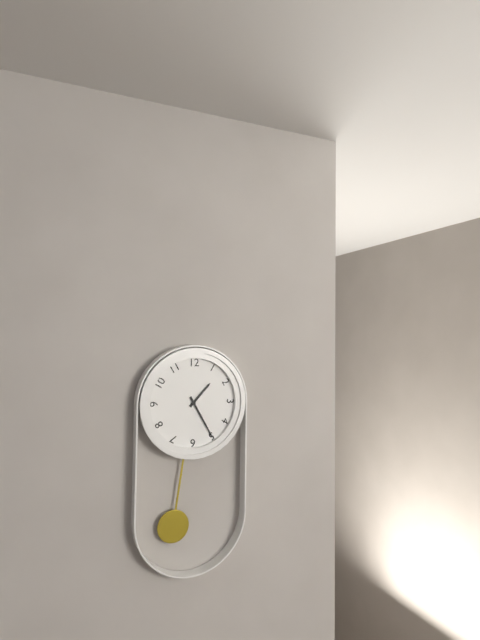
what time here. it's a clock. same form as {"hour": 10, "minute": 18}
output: {"hour": 1, "minute": 25}
